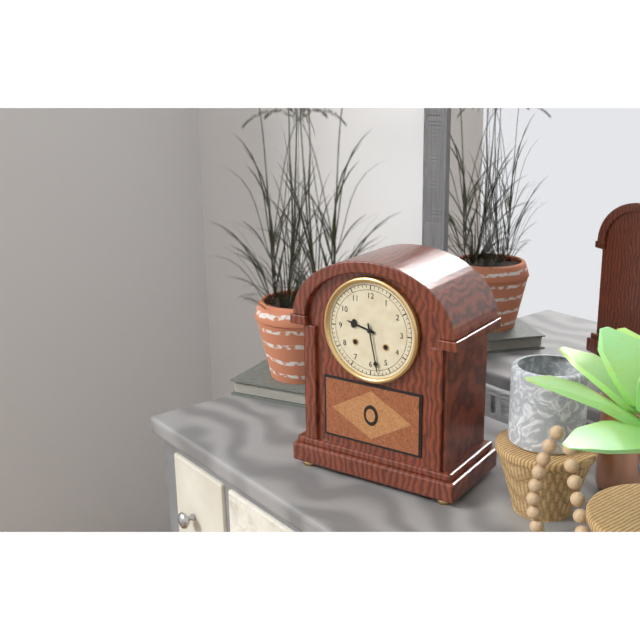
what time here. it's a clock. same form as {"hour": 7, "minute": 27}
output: {"hour": 9, "minute": 28}
